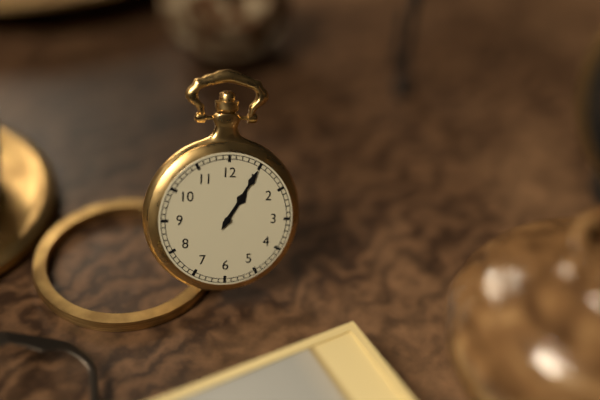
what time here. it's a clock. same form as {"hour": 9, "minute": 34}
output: {"hour": 1, "minute": 5}
